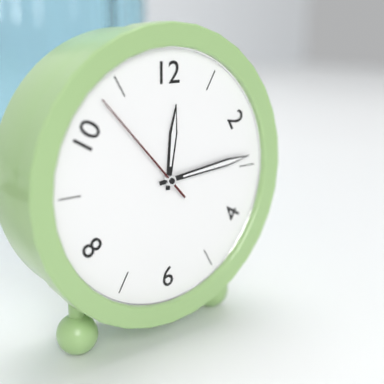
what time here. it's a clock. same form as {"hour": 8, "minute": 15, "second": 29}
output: {"hour": 12, "minute": 14, "second": 53}
